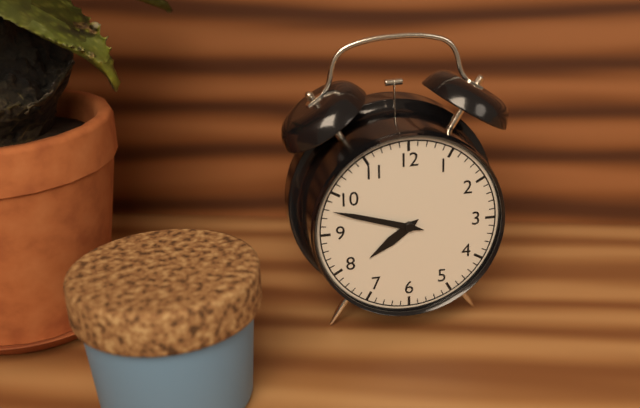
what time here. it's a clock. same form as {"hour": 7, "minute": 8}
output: {"hour": 7, "minute": 48}
